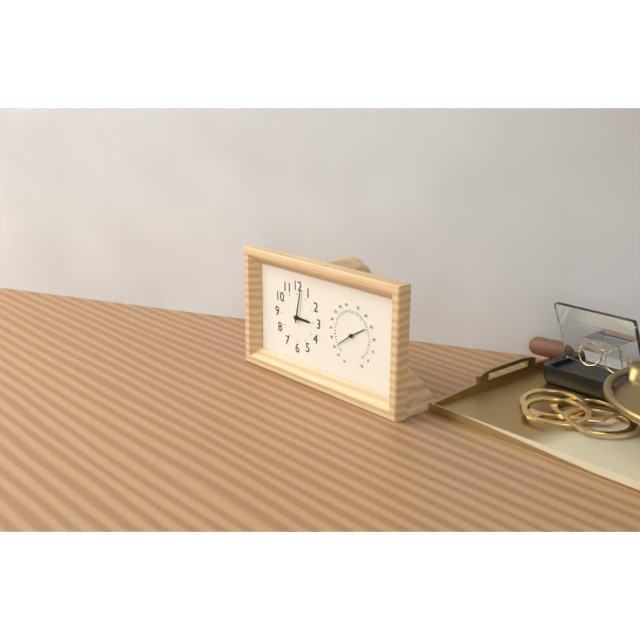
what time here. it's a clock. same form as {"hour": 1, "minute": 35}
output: {"hour": 3, "minute": 2}
